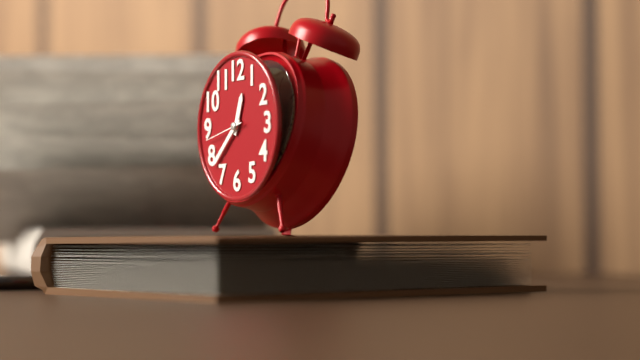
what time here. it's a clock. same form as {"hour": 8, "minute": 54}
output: {"hour": 12, "minute": 38}
